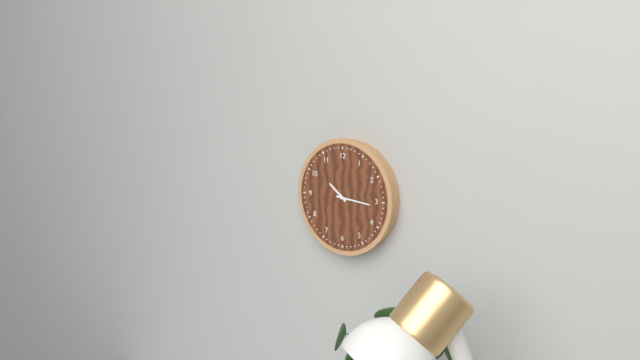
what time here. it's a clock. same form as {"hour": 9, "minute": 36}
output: {"hour": 10, "minute": 16}
